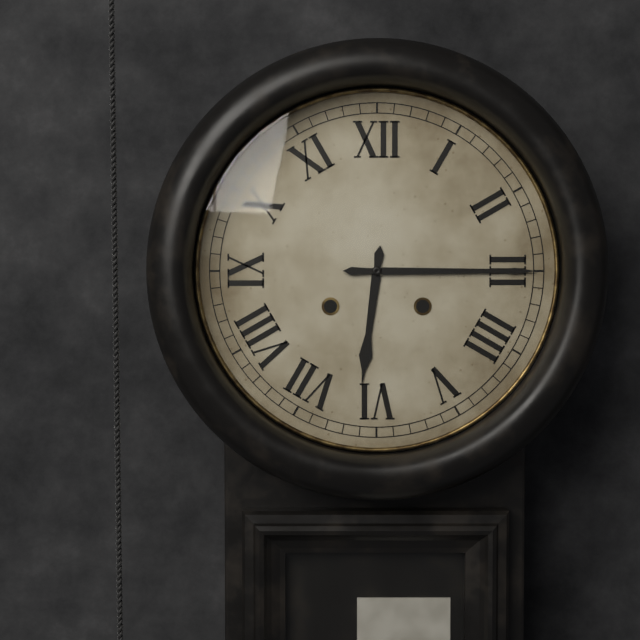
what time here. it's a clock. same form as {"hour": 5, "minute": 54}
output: {"hour": 6, "minute": 15}
